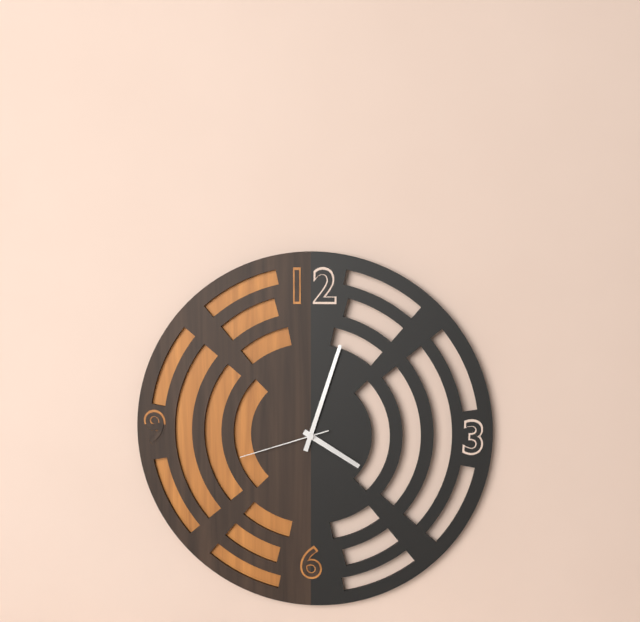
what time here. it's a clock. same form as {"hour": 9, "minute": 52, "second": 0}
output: {"hour": 4, "minute": 3, "second": 42}
